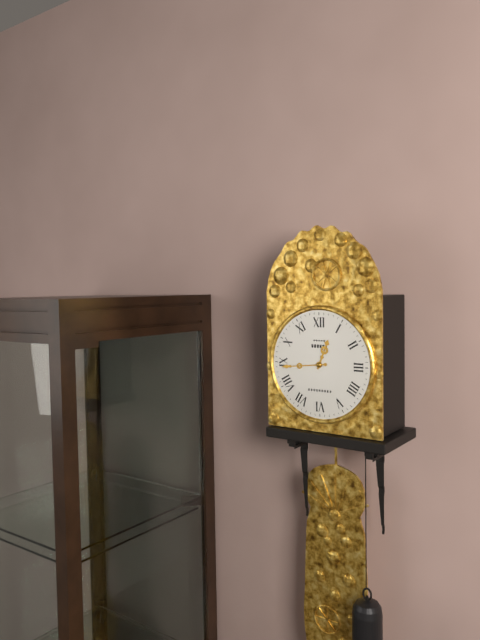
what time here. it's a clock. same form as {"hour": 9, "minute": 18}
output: {"hour": 12, "minute": 44}
